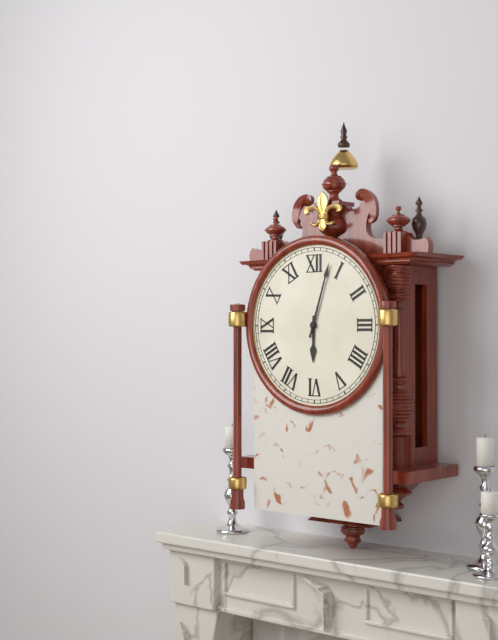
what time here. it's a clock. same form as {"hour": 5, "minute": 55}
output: {"hour": 6, "minute": 3}
